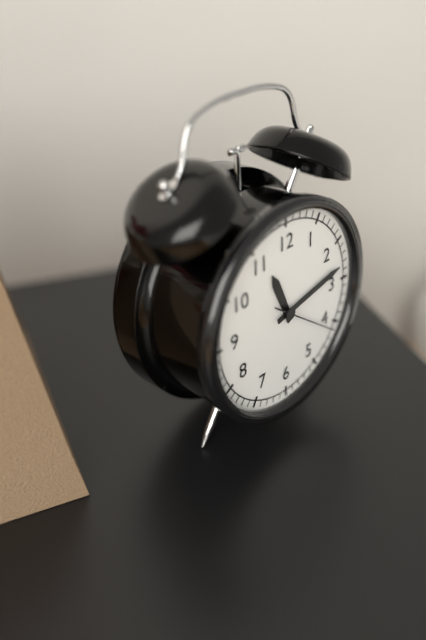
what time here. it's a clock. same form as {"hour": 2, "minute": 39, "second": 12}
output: {"hour": 11, "minute": 13, "second": 21}
